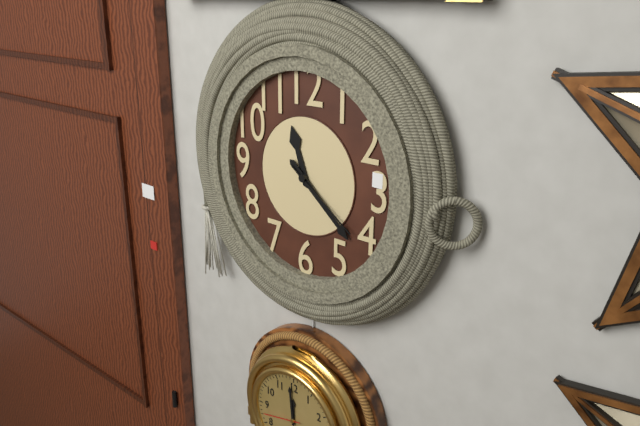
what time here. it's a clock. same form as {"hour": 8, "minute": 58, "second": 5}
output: {"hour": 11, "minute": 22, "second": 21}
